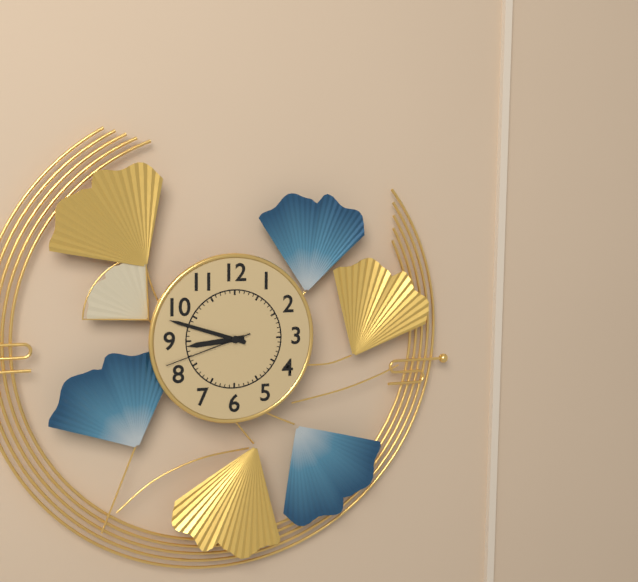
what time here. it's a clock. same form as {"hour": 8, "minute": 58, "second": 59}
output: {"hour": 8, "minute": 48, "second": 42}
